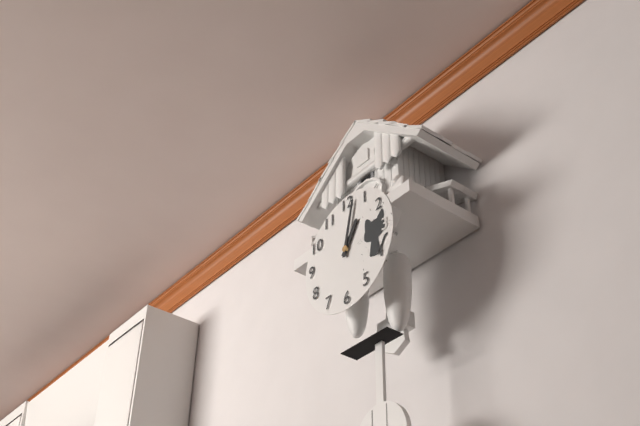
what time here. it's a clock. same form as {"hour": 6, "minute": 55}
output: {"hour": 1, "minute": 2}
